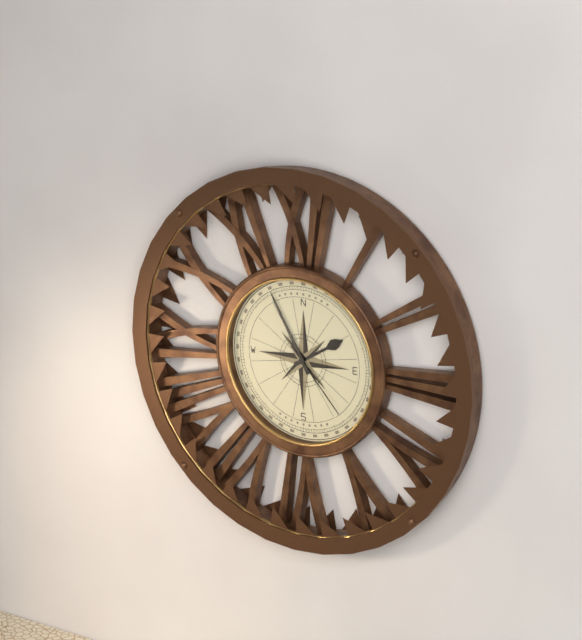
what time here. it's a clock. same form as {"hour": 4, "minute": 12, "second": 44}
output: {"hour": 1, "minute": 55, "second": 23}
